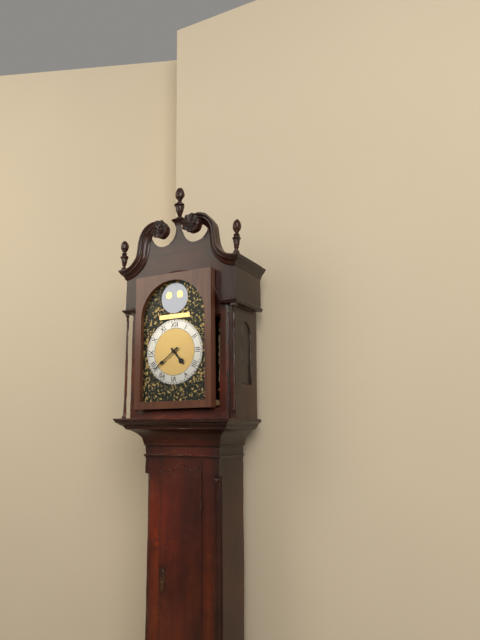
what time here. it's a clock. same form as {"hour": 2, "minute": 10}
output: {"hour": 4, "minute": 39}
